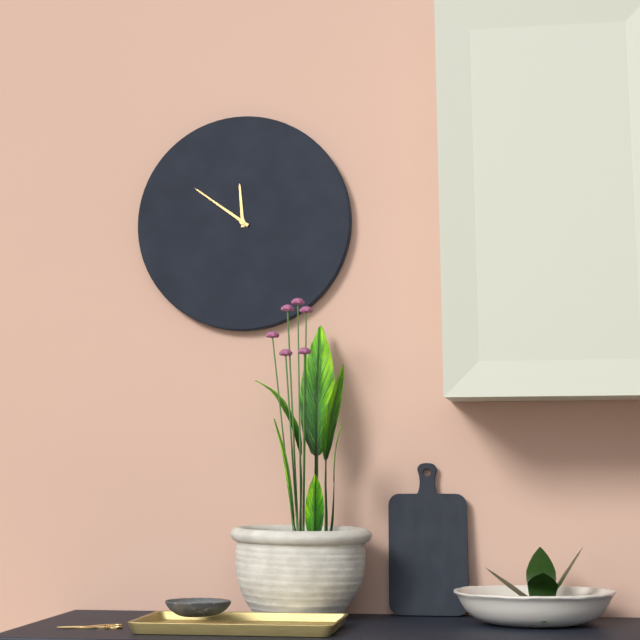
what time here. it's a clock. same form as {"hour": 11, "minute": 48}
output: {"hour": 11, "minute": 51}
